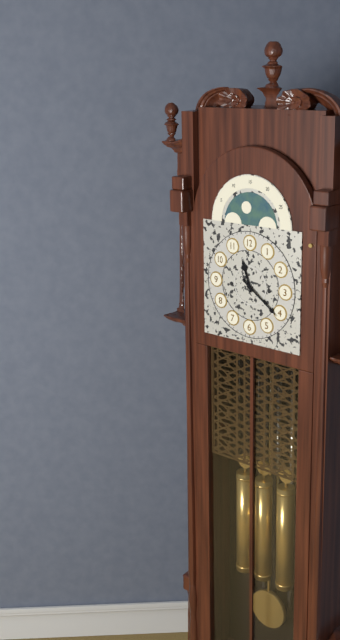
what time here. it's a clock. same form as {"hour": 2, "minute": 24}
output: {"hour": 11, "minute": 21}
